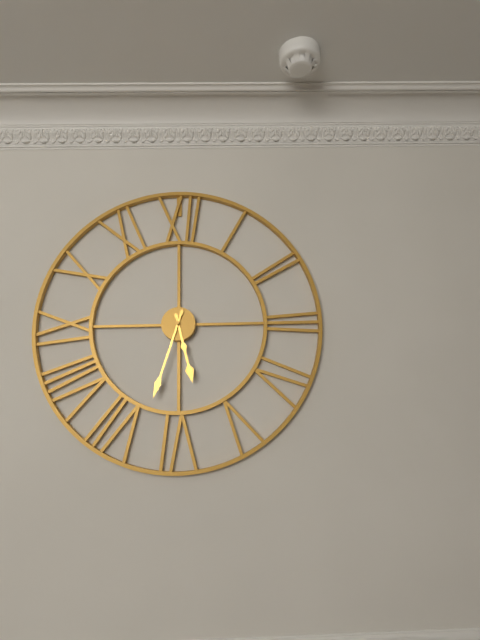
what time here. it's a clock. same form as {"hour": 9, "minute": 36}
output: {"hour": 5, "minute": 33}
